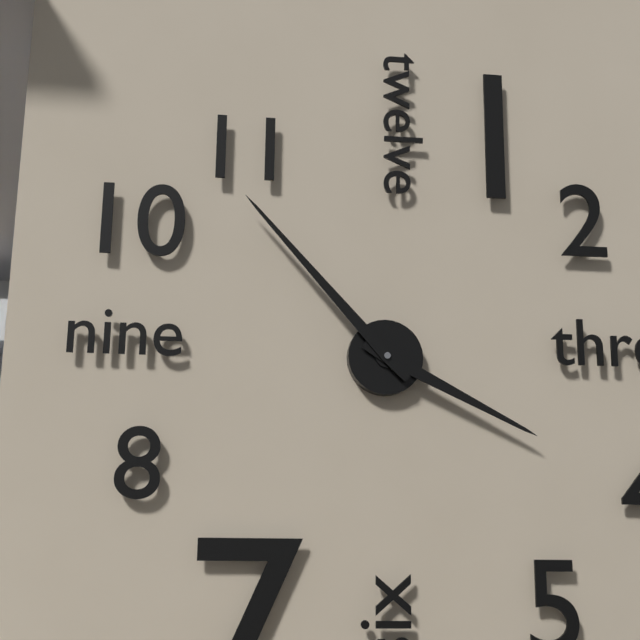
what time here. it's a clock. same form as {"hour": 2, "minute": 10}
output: {"hour": 3, "minute": 53}
